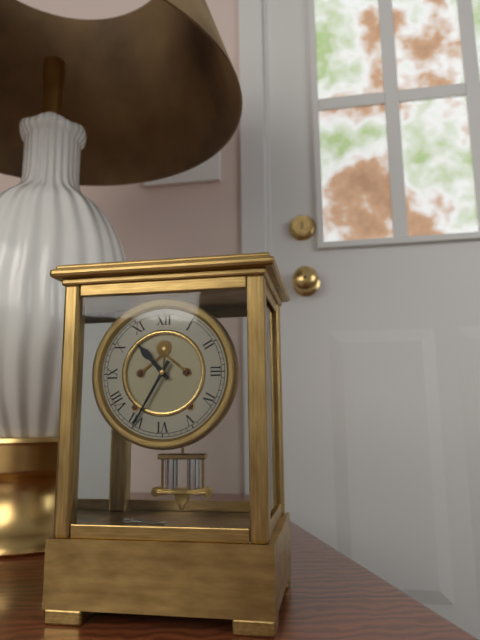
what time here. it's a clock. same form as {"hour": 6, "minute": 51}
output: {"hour": 10, "minute": 35}
